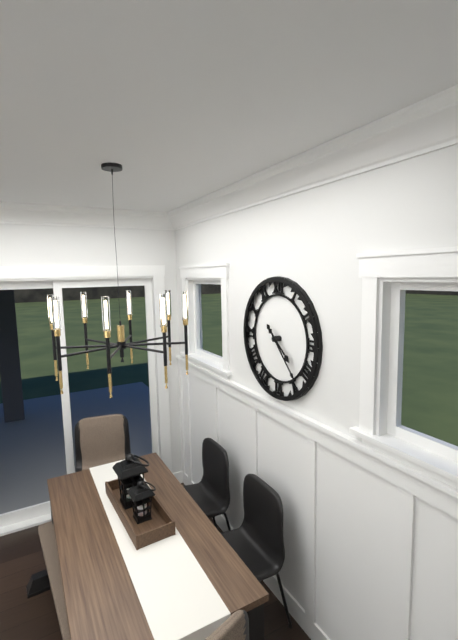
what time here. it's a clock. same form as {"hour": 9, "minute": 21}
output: {"hour": 4, "minute": 23}
